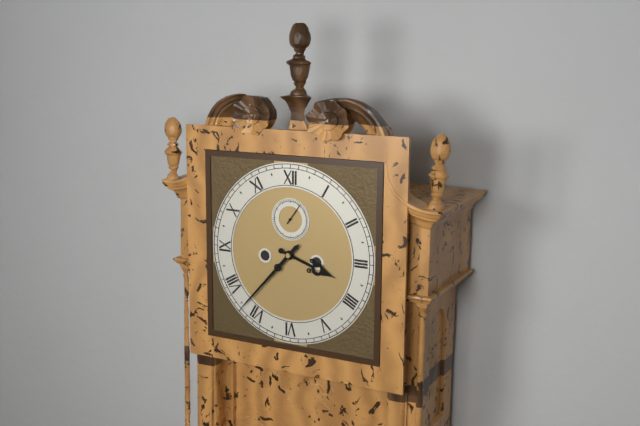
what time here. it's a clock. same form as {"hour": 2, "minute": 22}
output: {"hour": 3, "minute": 37}
